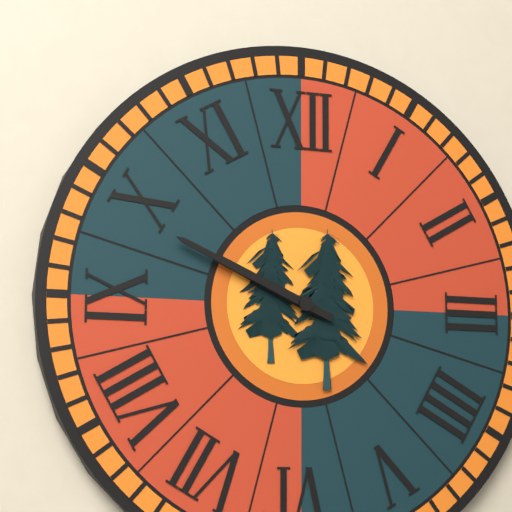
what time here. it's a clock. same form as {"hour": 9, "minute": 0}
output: {"hour": 9, "minute": 49}
